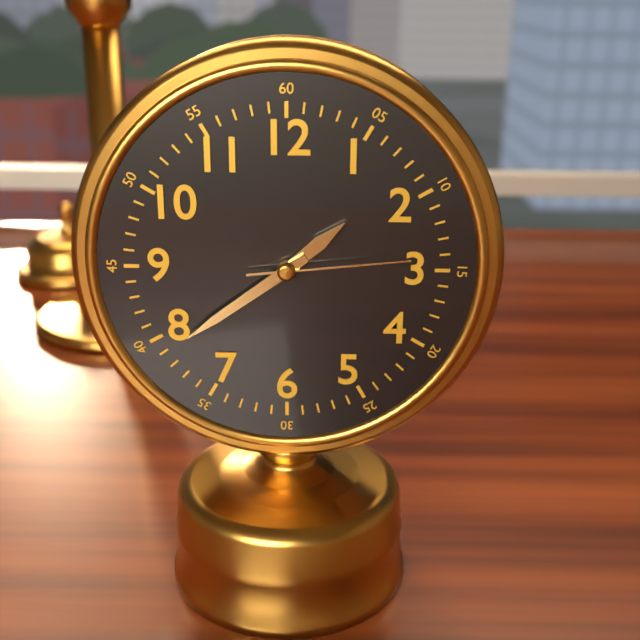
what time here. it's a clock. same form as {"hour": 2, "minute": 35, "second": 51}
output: {"hour": 1, "minute": 39, "second": 14}
